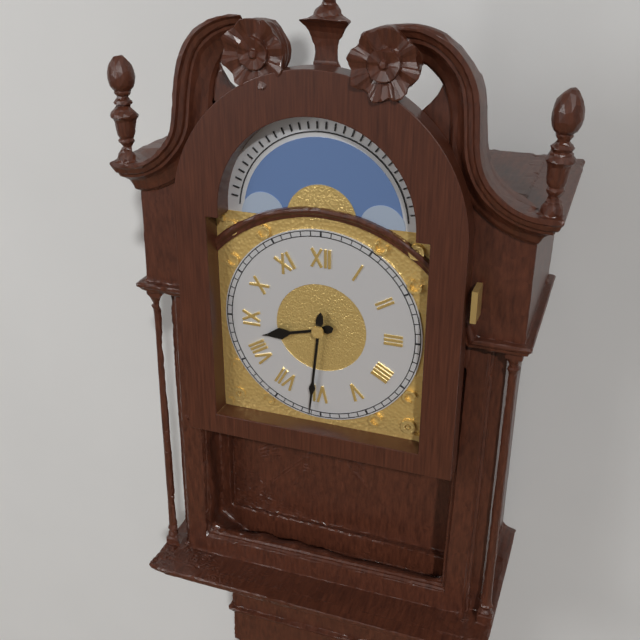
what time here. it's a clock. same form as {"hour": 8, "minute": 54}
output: {"hour": 8, "minute": 31}
